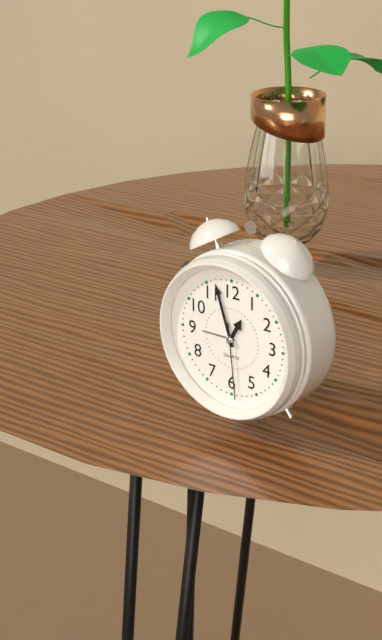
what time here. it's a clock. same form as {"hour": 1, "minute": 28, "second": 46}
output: {"hour": 12, "minute": 57, "second": 29}
